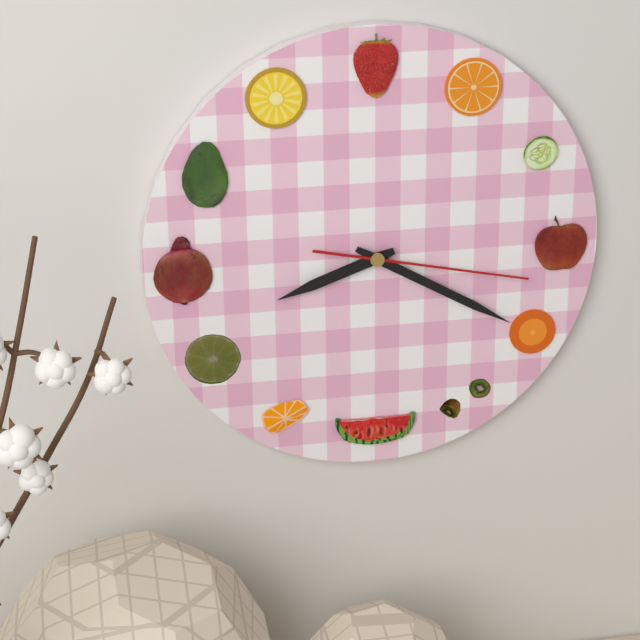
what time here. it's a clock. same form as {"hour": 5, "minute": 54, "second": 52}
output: {"hour": 8, "minute": 20, "second": 17}
